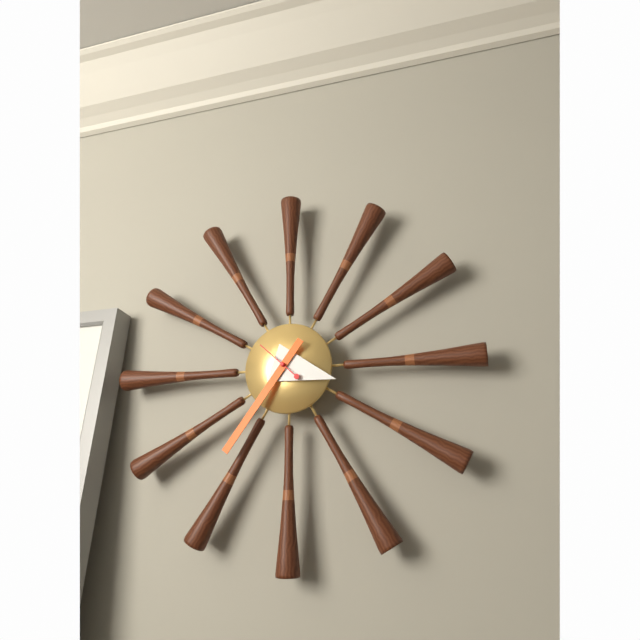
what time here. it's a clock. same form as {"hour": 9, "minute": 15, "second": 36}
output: {"hour": 3, "minute": 36, "second": 52}
